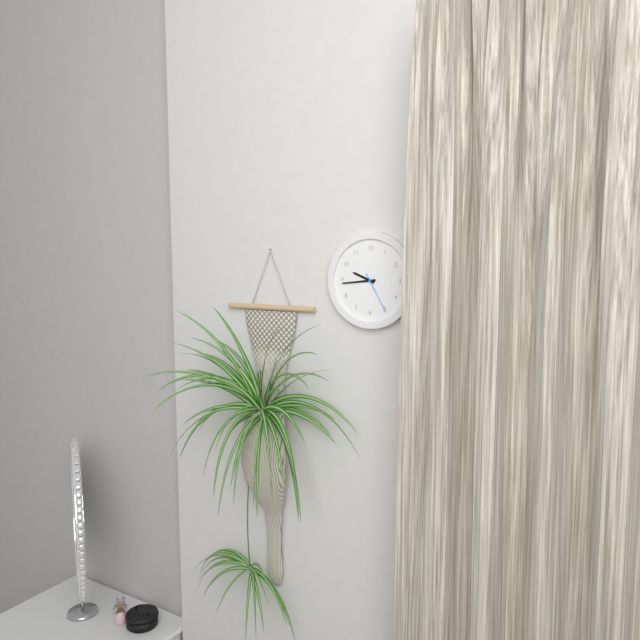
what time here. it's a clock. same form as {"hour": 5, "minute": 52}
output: {"hour": 9, "minute": 44}
